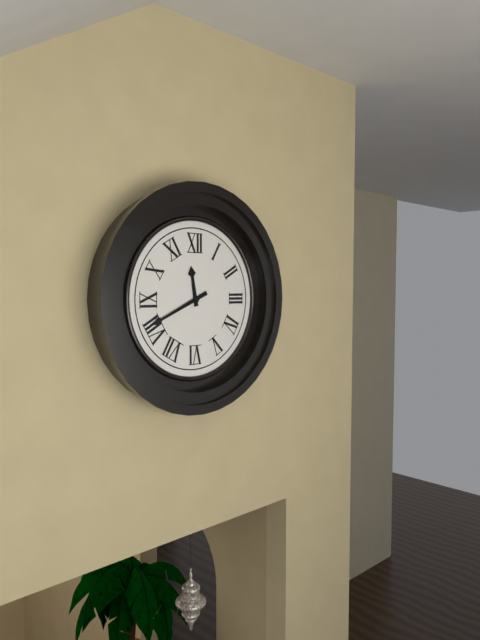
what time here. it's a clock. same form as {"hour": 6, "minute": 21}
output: {"hour": 11, "minute": 41}
